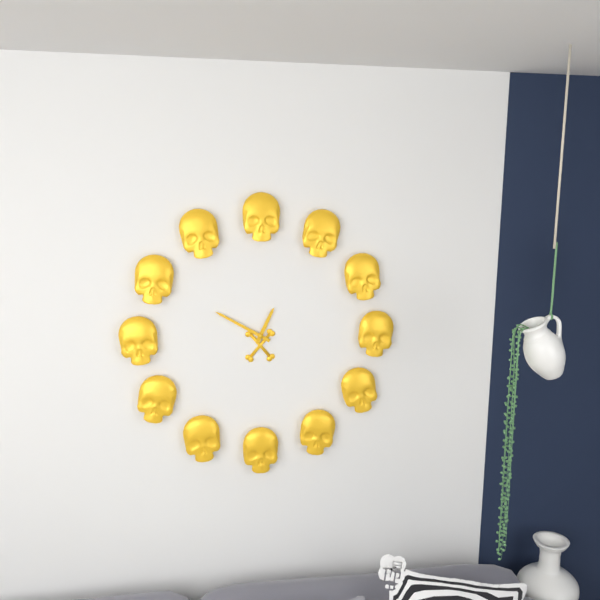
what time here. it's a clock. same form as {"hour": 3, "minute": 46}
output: {"hour": 12, "minute": 50}
